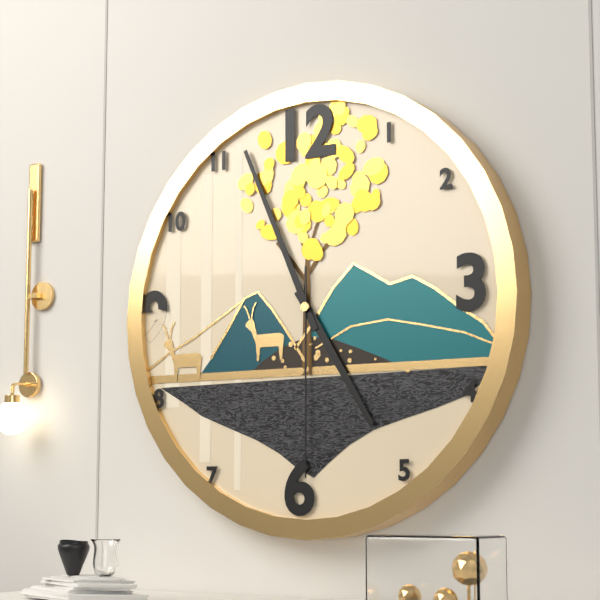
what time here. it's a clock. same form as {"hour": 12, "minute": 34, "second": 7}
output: {"hour": 4, "minute": 56, "second": 30}
